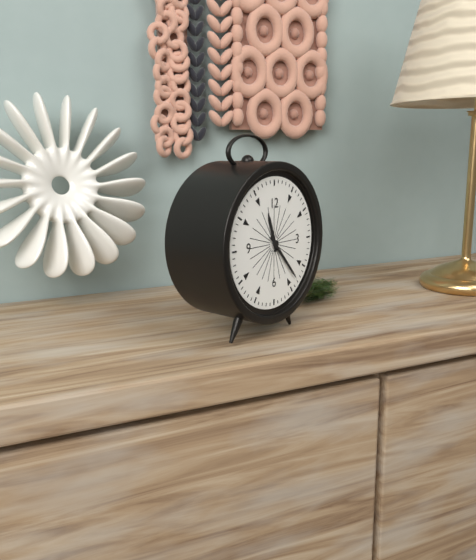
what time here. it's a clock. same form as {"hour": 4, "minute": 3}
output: {"hour": 11, "minute": 23}
